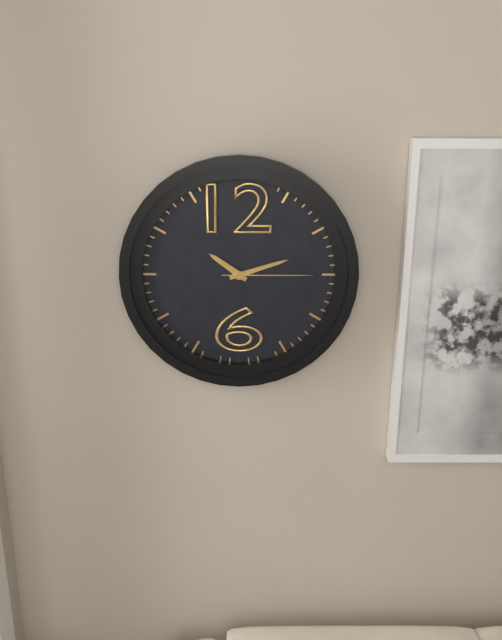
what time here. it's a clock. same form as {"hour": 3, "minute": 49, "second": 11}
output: {"hour": 10, "minute": 12, "second": 15}
